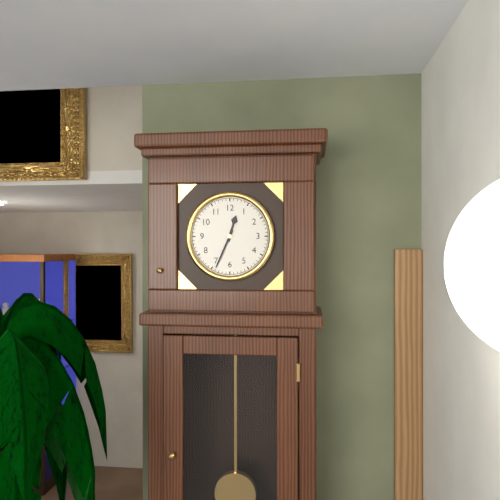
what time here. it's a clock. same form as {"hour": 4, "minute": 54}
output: {"hour": 12, "minute": 34}
